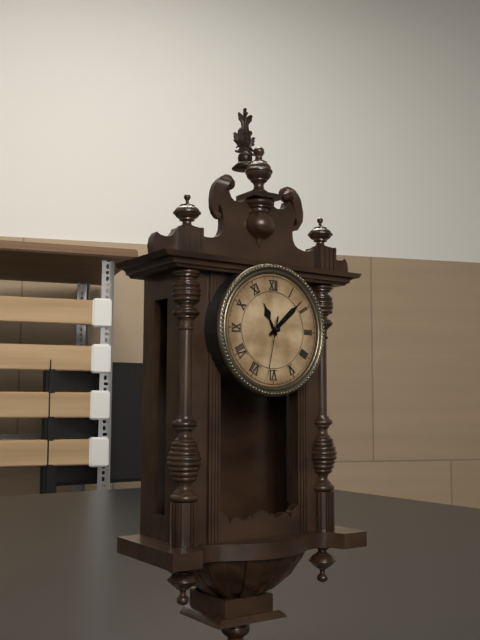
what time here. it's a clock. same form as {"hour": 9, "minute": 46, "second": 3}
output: {"hour": 11, "minute": 8, "second": 32}
